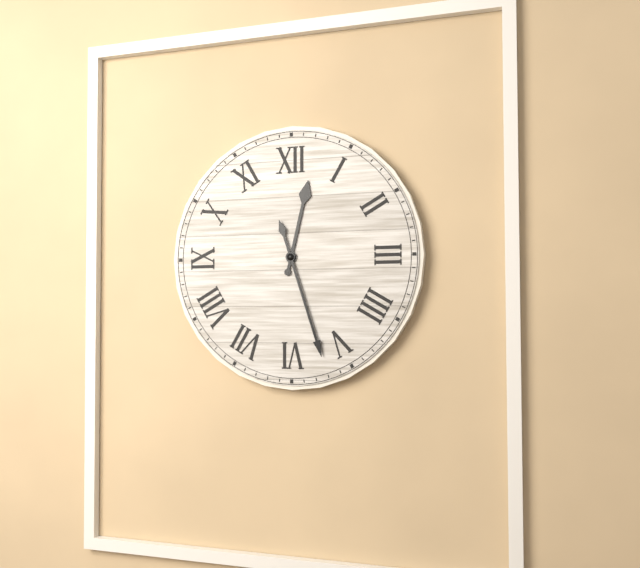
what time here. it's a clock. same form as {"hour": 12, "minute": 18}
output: {"hour": 12, "minute": 27}
